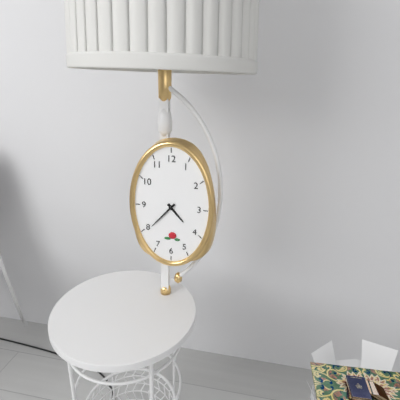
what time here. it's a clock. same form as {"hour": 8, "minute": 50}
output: {"hour": 4, "minute": 37}
